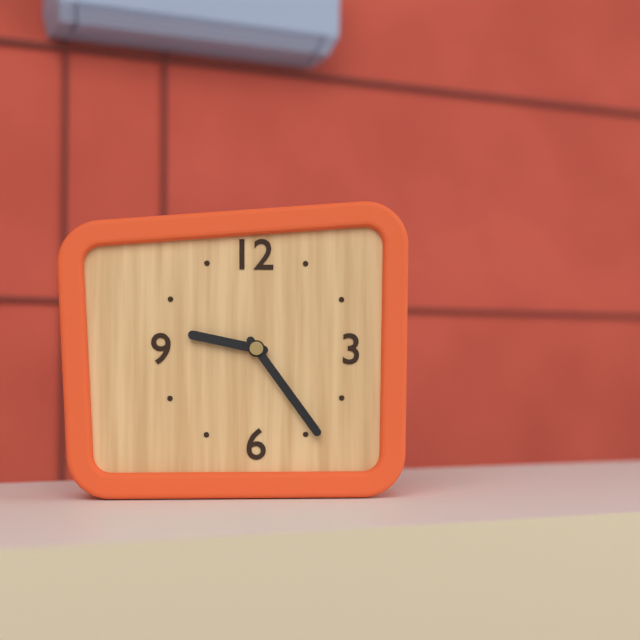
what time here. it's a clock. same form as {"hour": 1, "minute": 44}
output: {"hour": 9, "minute": 24}
